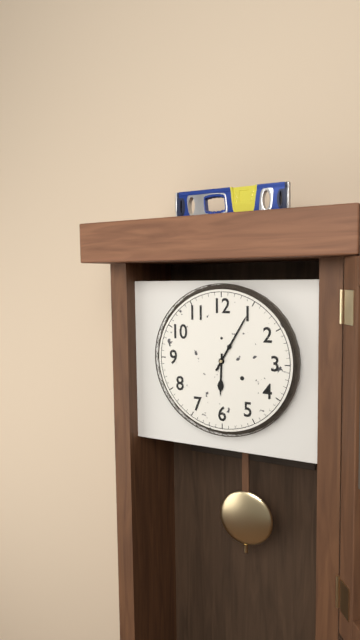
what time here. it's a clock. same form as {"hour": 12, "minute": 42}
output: {"hour": 6, "minute": 5}
